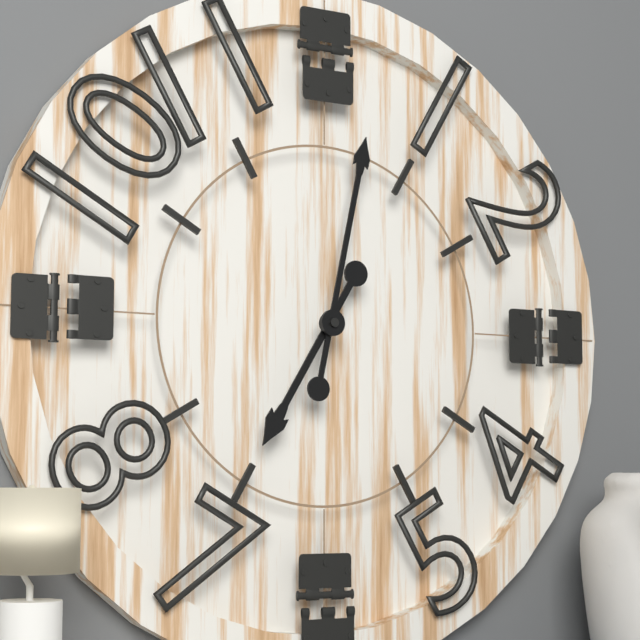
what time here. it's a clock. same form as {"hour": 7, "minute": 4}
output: {"hour": 7, "minute": 2}
